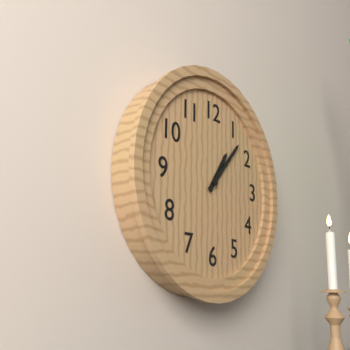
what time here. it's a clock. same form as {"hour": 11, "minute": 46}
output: {"hour": 1, "minute": 7}
